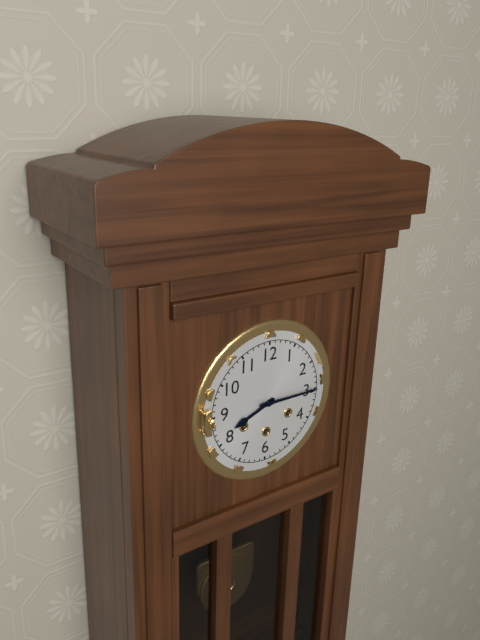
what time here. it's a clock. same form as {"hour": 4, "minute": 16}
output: {"hour": 8, "minute": 15}
